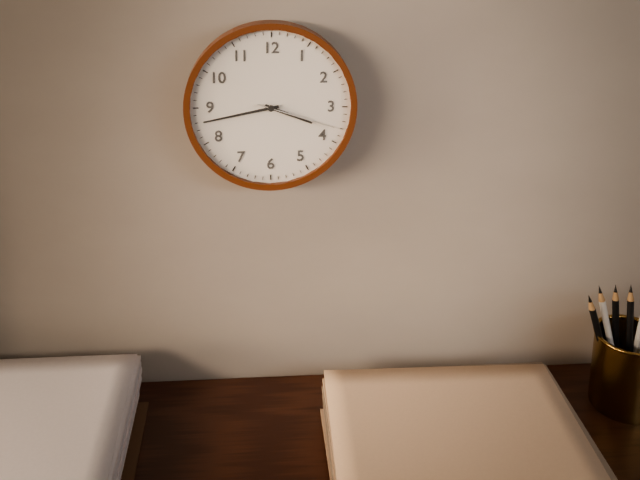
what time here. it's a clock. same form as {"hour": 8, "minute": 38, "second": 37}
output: {"hour": 3, "minute": 43, "second": 18}
